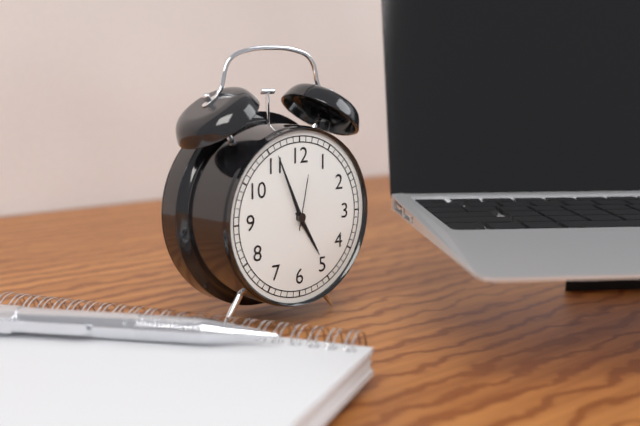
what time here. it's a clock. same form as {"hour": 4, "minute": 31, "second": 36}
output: {"hour": 4, "minute": 56, "second": 2}
